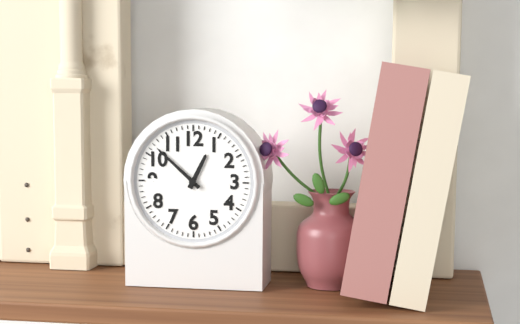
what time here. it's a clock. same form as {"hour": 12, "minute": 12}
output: {"hour": 12, "minute": 52}
